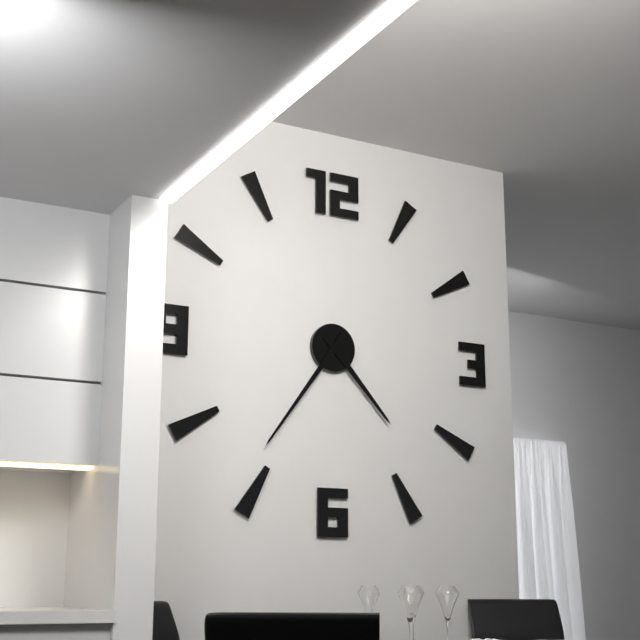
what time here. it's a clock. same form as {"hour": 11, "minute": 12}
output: {"hour": 4, "minute": 36}
